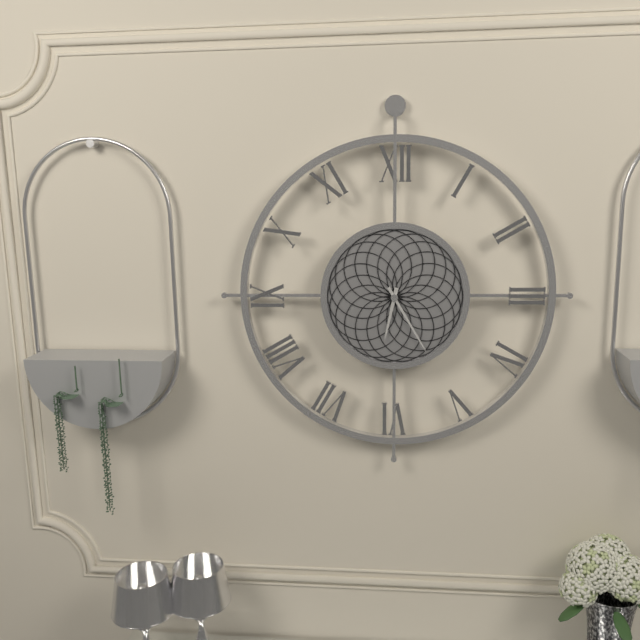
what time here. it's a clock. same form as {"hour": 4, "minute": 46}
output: {"hour": 6, "minute": 25}
